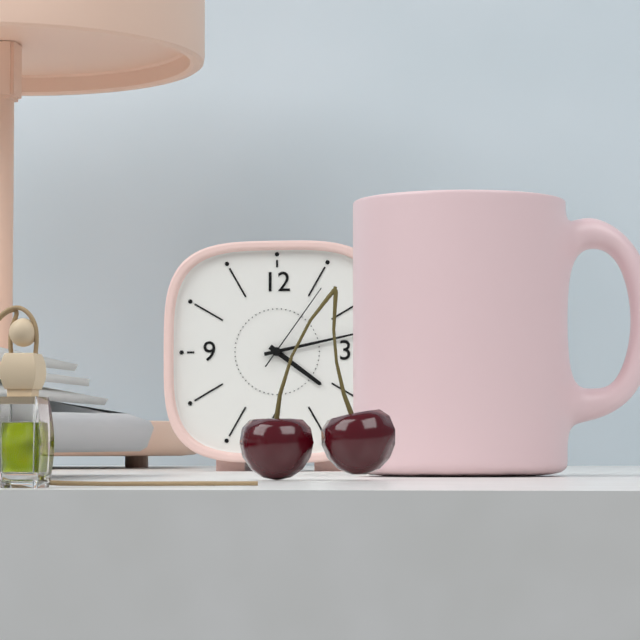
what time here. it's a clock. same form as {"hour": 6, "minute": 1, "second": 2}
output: {"hour": 4, "minute": 13, "second": 6}
